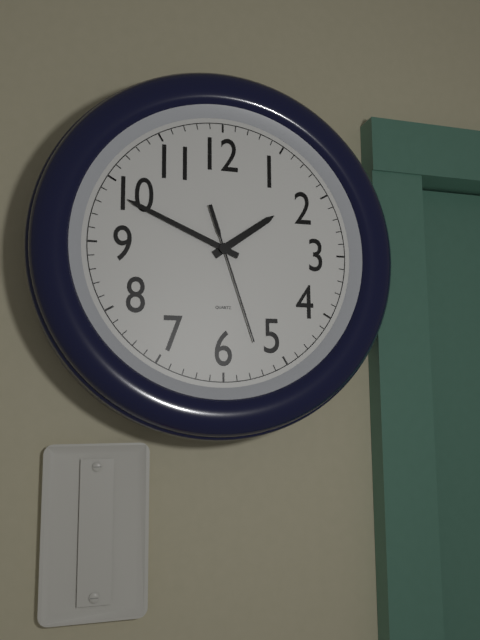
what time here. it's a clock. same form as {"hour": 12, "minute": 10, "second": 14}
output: {"hour": 1, "minute": 49, "second": 27}
